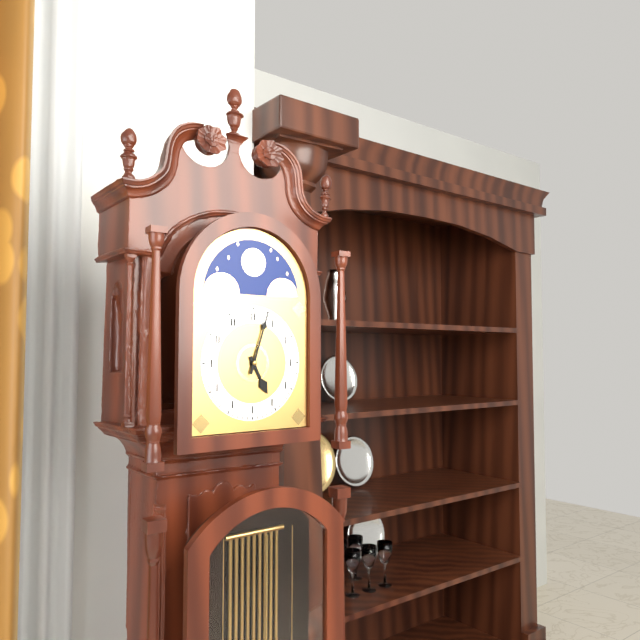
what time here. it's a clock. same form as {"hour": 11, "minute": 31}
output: {"hour": 5, "minute": 3}
